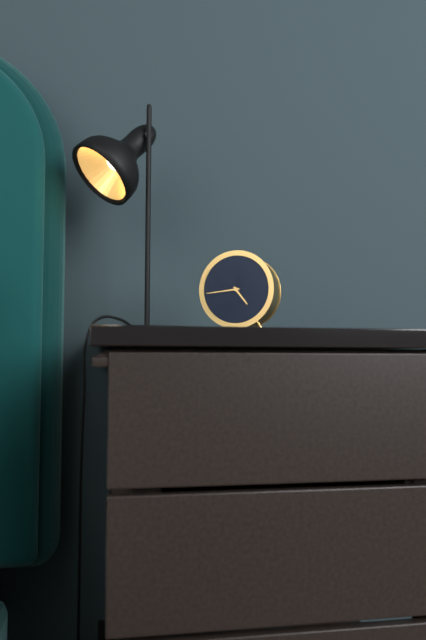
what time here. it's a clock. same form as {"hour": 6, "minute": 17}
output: {"hour": 4, "minute": 44}
